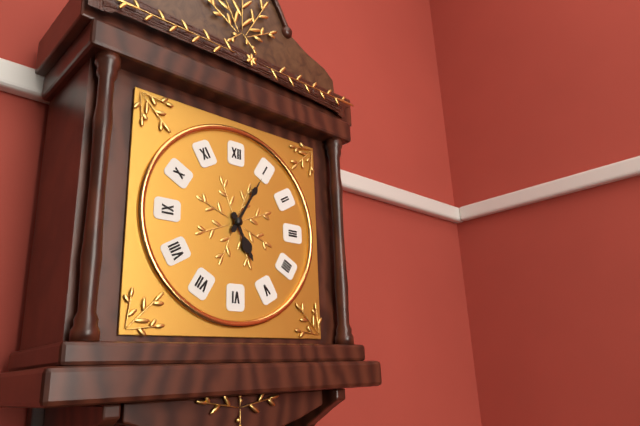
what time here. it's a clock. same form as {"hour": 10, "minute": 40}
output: {"hour": 5, "minute": 5}
